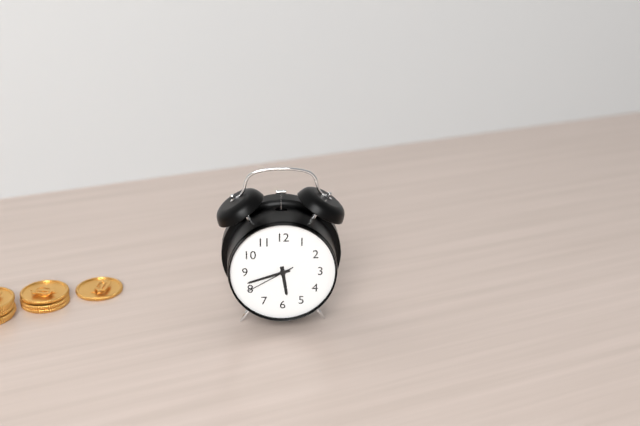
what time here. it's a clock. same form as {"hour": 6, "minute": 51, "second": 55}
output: {"hour": 5, "minute": 42, "second": 40}
